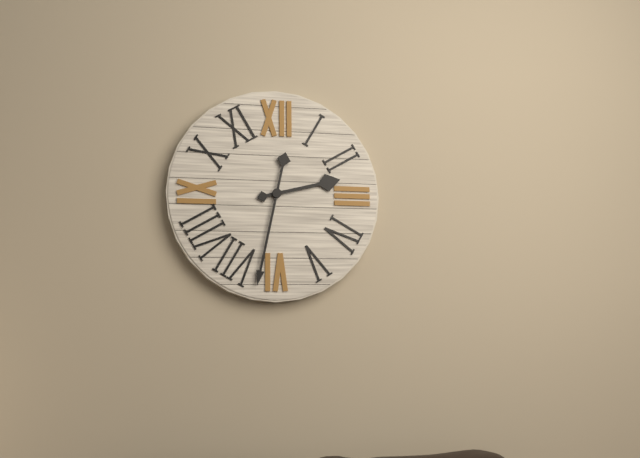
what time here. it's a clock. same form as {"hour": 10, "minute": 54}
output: {"hour": 2, "minute": 32}
